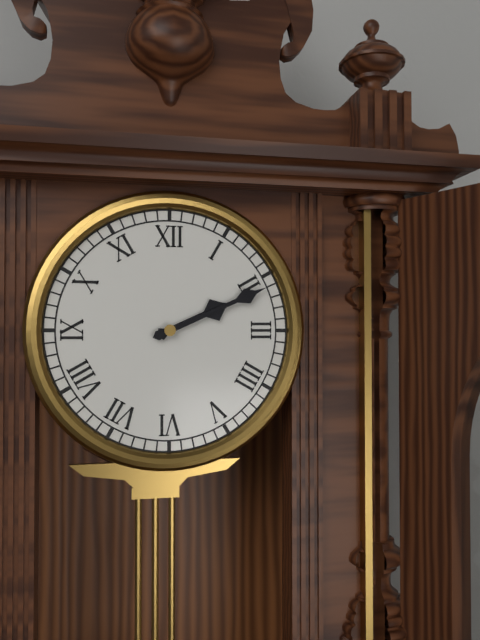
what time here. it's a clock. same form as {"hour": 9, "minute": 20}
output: {"hour": 2, "minute": 11}
